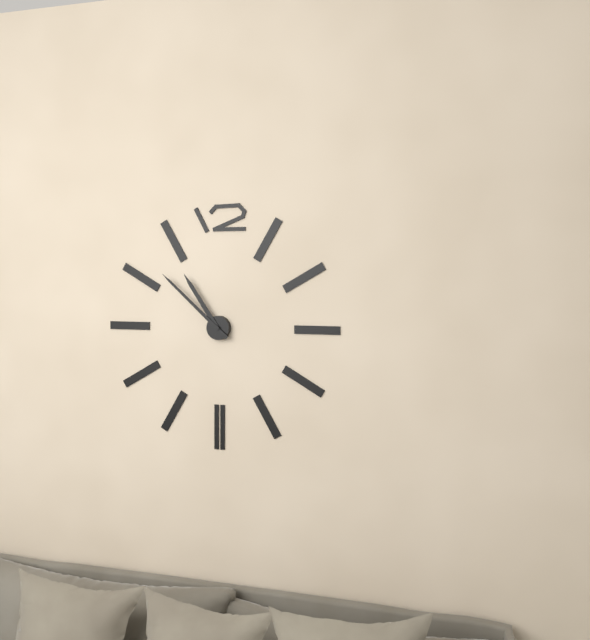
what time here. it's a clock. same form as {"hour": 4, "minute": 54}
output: {"hour": 10, "minute": 52}
